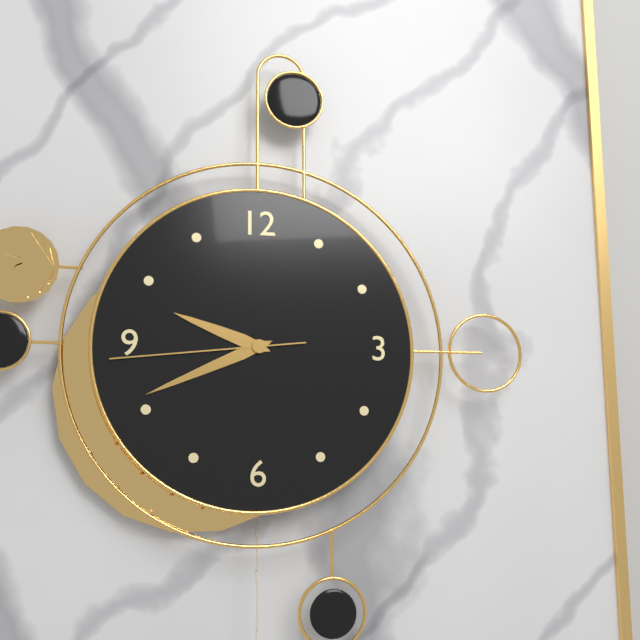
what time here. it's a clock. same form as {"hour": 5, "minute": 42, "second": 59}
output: {"hour": 9, "minute": 41, "second": 44}
